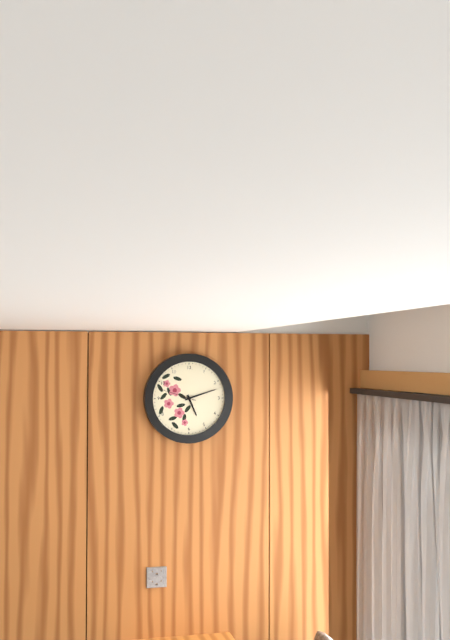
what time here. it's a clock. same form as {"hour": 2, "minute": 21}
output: {"hour": 5, "minute": 12}
